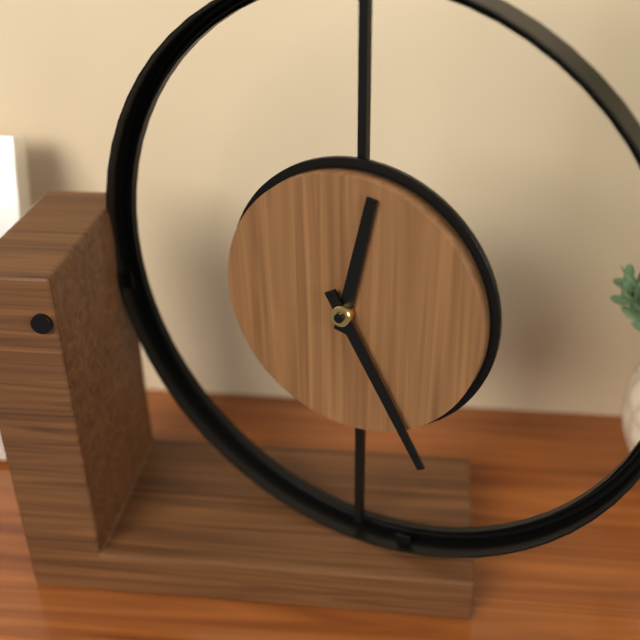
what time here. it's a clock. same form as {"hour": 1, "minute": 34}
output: {"hour": 12, "minute": 25}
